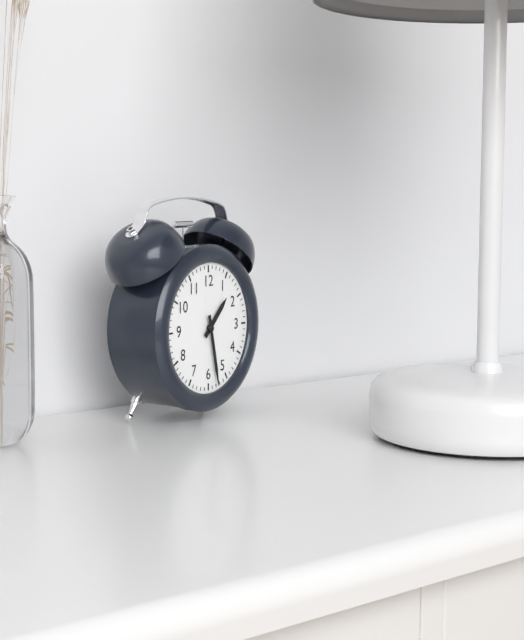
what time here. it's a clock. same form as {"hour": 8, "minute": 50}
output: {"hour": 1, "minute": 28}
